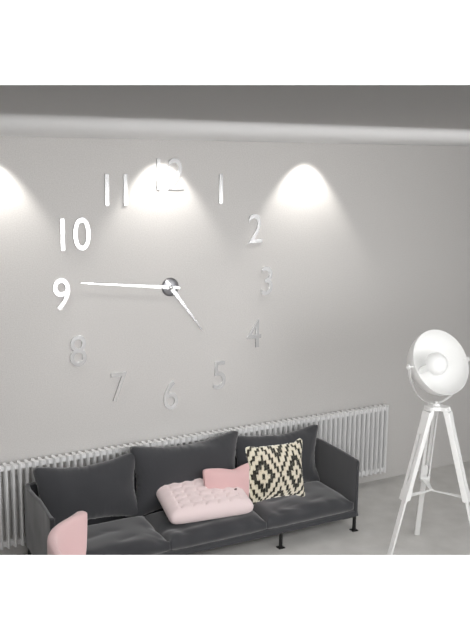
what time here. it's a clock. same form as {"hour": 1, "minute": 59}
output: {"hour": 4, "minute": 46}
